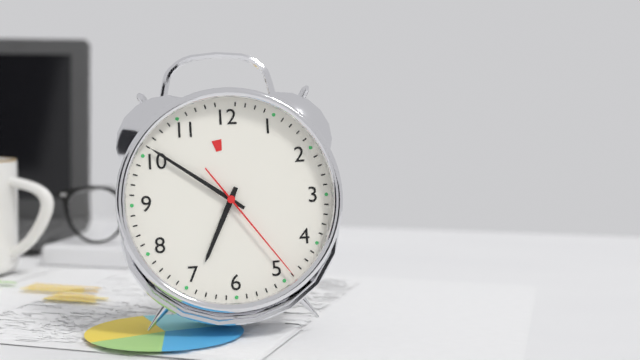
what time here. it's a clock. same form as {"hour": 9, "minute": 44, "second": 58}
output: {"hour": 6, "minute": 51, "second": 24}
